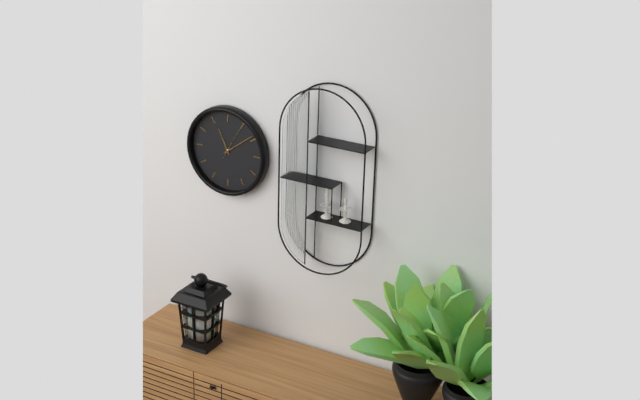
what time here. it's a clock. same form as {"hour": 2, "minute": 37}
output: {"hour": 11, "minute": 9}
